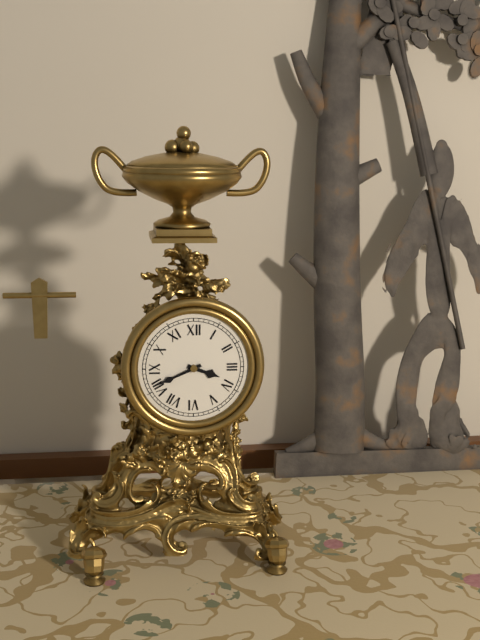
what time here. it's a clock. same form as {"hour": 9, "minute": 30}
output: {"hour": 3, "minute": 41}
